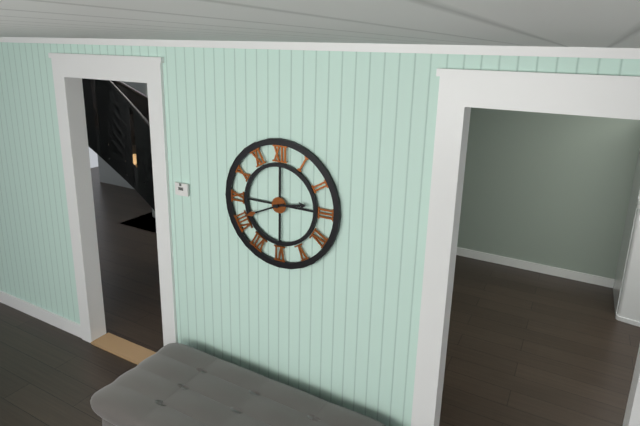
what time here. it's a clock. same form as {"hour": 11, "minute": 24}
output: {"hour": 2, "minute": 41}
